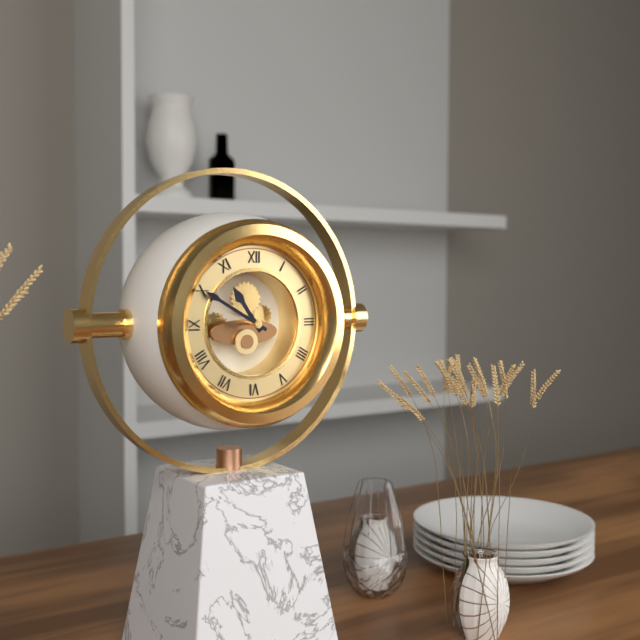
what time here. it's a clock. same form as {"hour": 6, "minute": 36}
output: {"hour": 10, "minute": 50}
